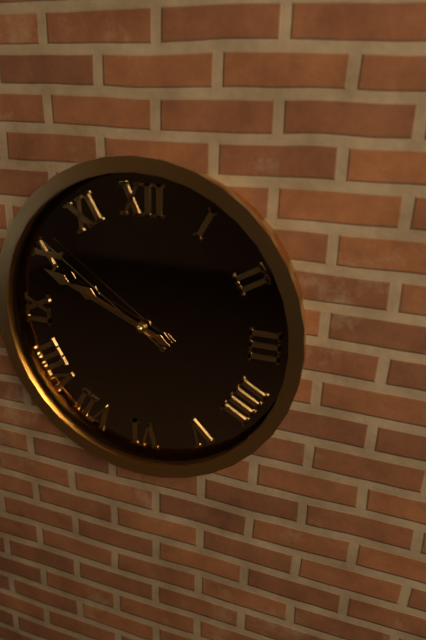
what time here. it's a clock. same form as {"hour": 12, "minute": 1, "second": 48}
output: {"hour": 9, "minute": 49, "second": 51}
